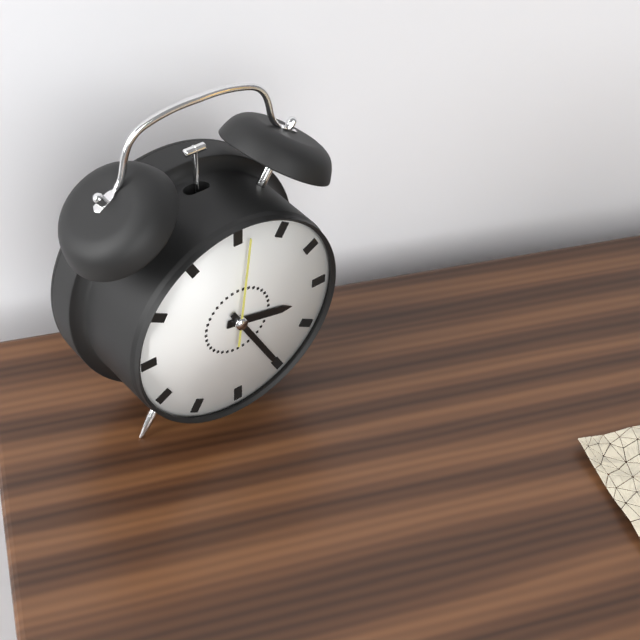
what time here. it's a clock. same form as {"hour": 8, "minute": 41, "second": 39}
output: {"hour": 3, "minute": 25, "second": 1}
